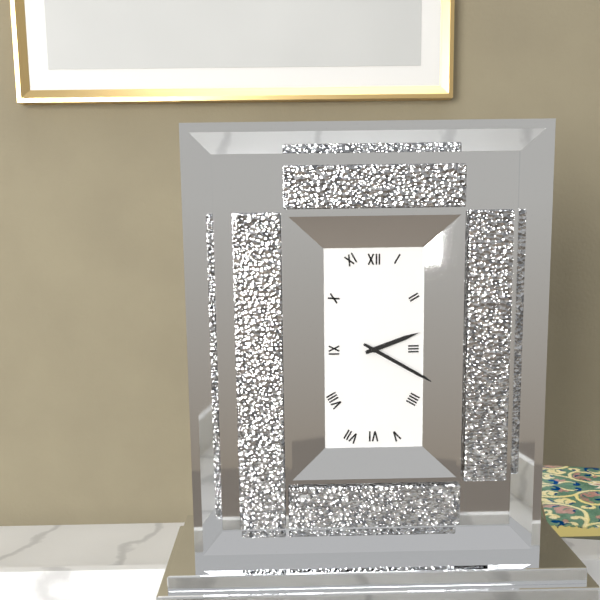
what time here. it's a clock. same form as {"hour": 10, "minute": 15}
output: {"hour": 2, "minute": 20}
